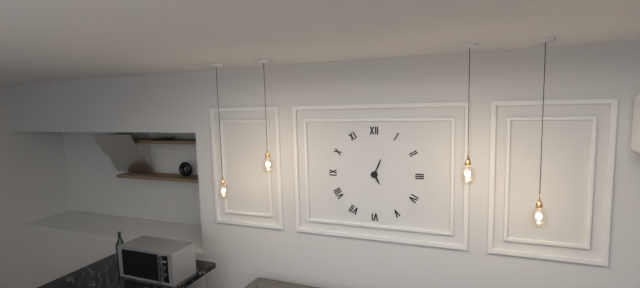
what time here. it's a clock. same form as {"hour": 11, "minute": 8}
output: {"hour": 5, "minute": 4}
